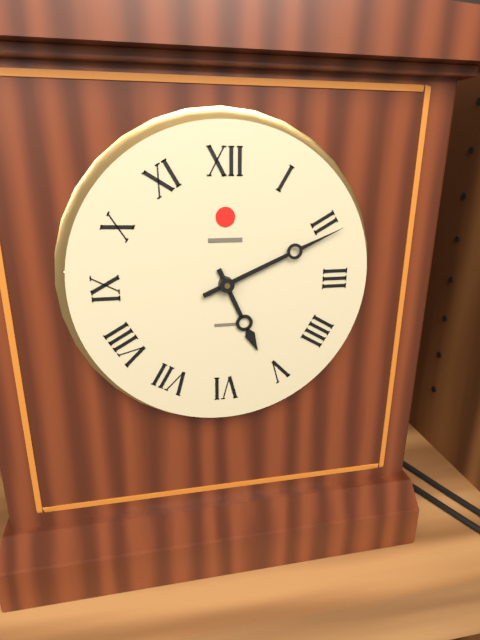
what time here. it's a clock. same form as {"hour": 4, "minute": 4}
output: {"hour": 5, "minute": 11}
